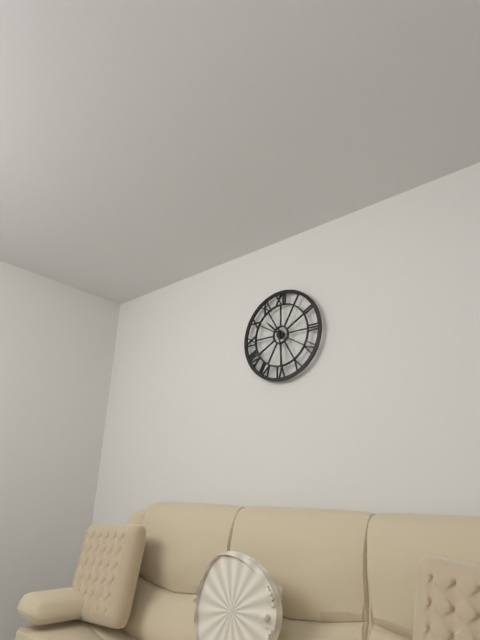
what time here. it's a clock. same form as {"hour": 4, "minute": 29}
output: {"hour": 10, "minute": 29}
